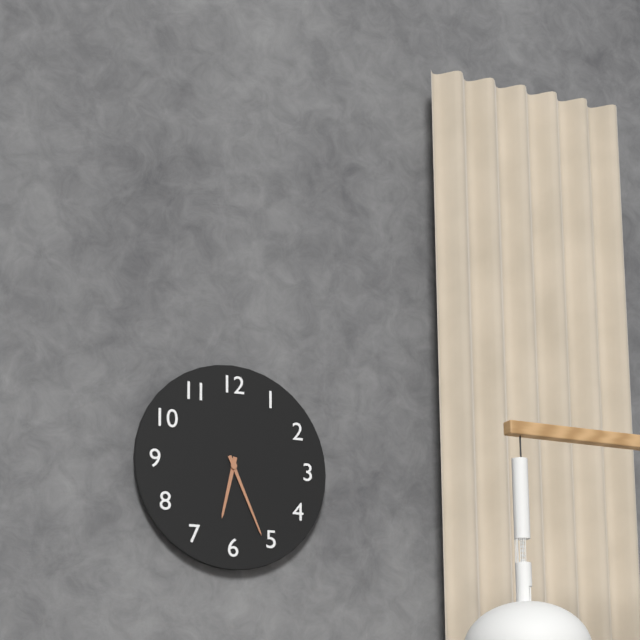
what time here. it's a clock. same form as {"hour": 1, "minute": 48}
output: {"hour": 6, "minute": 26}
